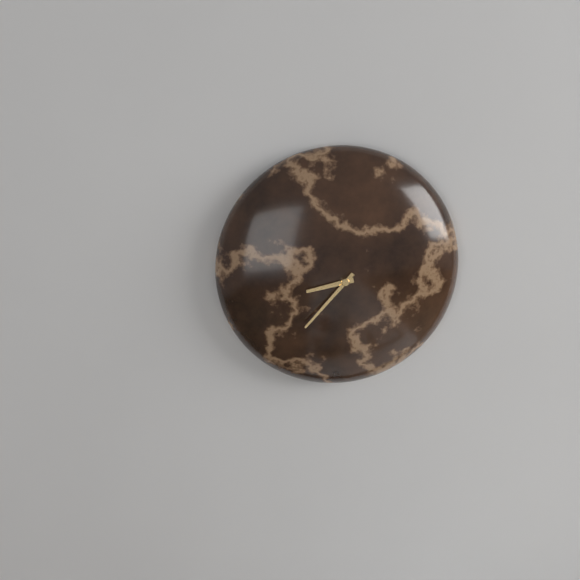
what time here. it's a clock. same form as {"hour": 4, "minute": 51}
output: {"hour": 8, "minute": 37}
